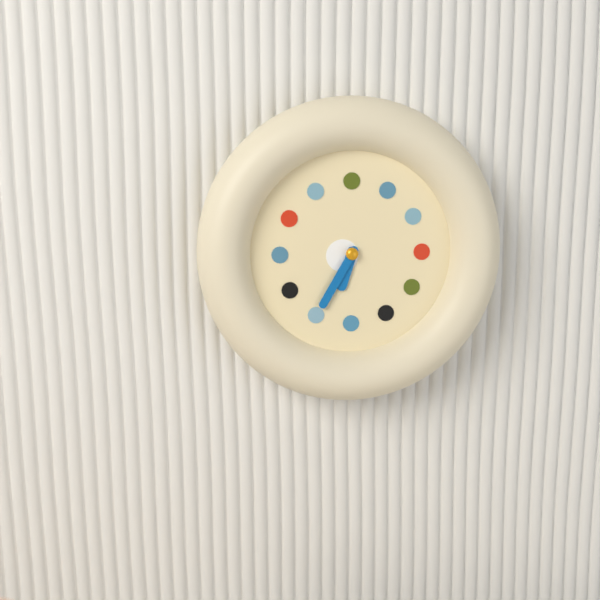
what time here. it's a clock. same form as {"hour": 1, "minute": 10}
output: {"hour": 6, "minute": 35}
